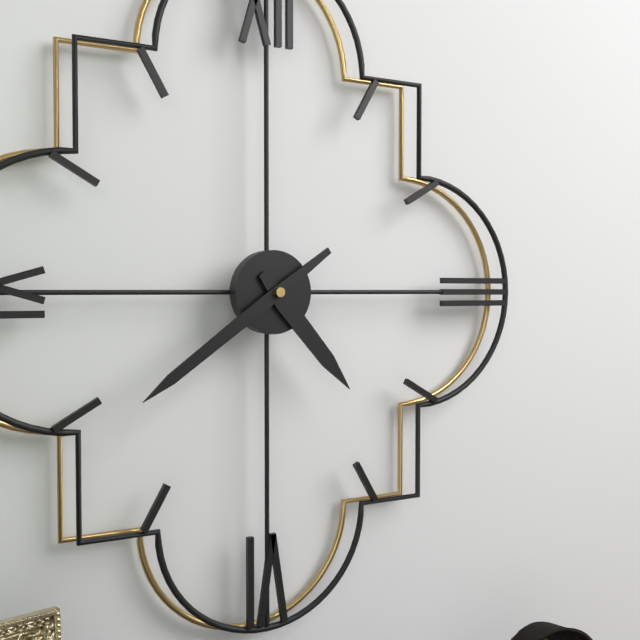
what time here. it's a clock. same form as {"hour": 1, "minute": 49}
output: {"hour": 4, "minute": 39}
